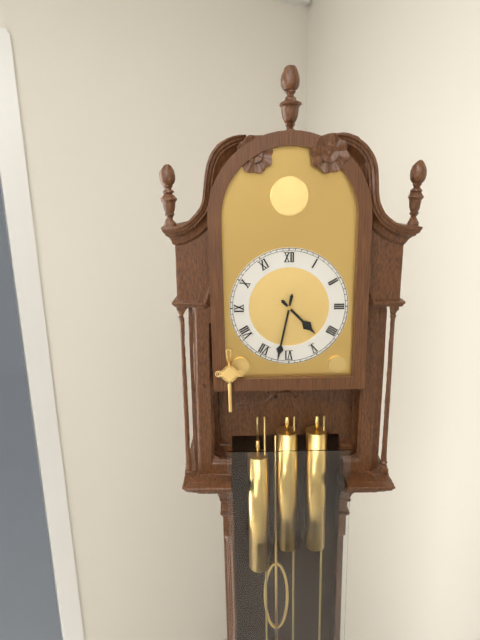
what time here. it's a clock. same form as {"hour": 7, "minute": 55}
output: {"hour": 4, "minute": 32}
